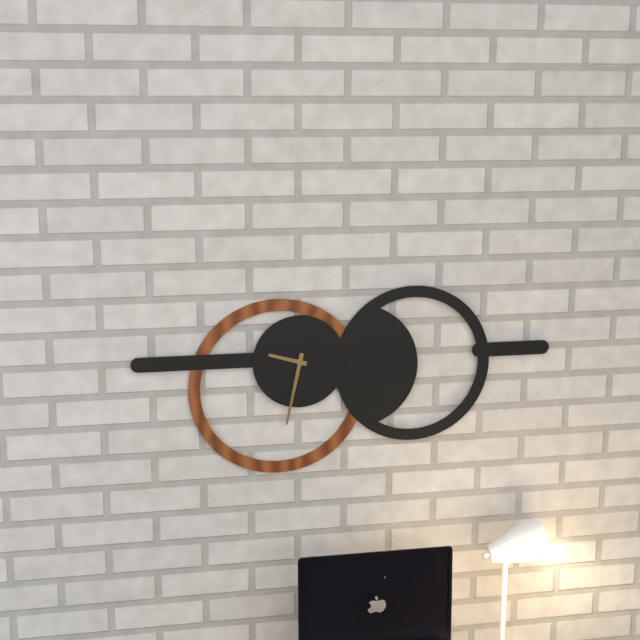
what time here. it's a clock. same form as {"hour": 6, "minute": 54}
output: {"hour": 9, "minute": 32}
